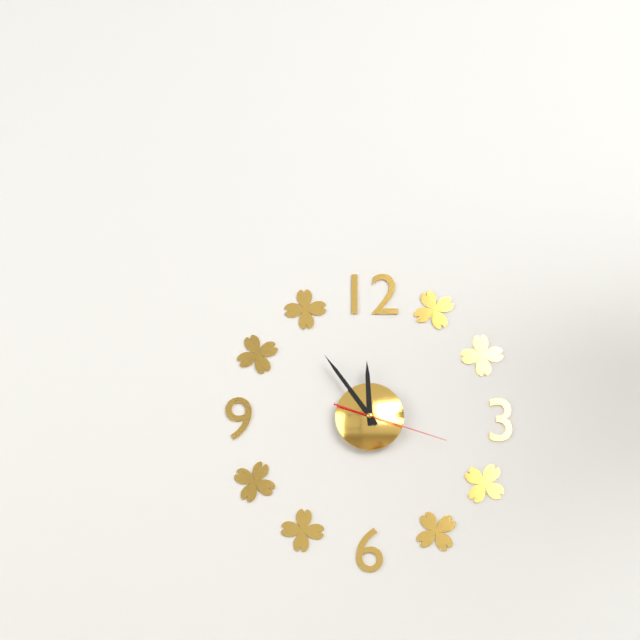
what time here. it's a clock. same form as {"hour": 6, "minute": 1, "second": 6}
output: {"hour": 11, "minute": 54, "second": 18}
